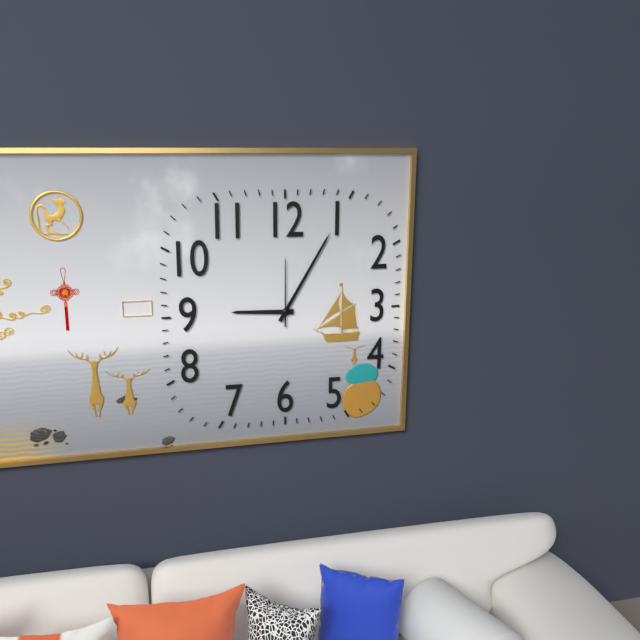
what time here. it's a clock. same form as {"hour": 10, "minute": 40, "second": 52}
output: {"hour": 9, "minute": 5, "second": 0}
